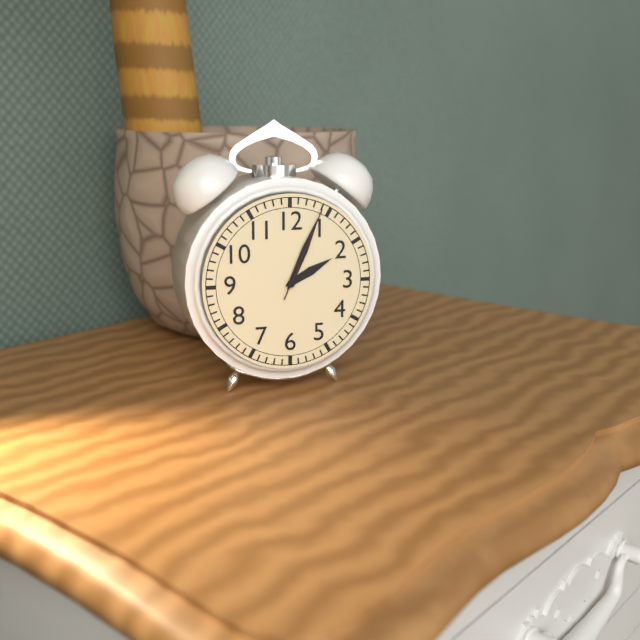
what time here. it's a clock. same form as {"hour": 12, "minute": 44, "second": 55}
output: {"hour": 2, "minute": 4, "second": 4}
